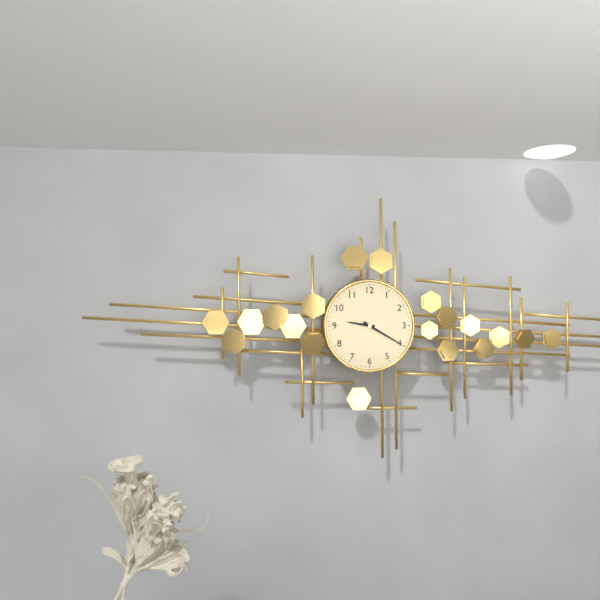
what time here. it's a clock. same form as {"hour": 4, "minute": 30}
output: {"hour": 9, "minute": 20}
